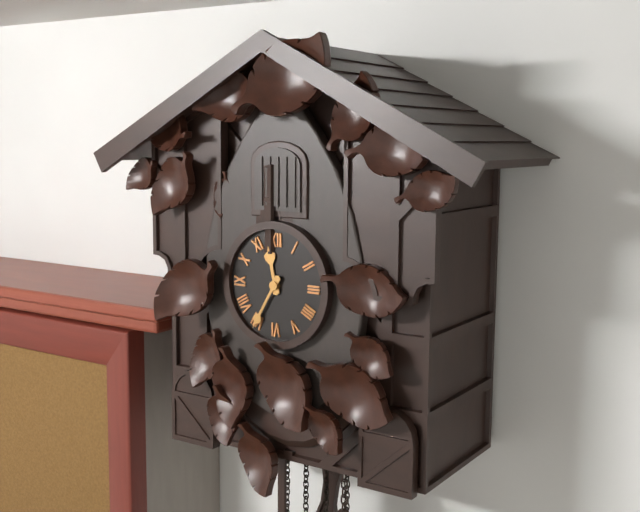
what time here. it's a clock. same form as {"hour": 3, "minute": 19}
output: {"hour": 11, "minute": 35}
